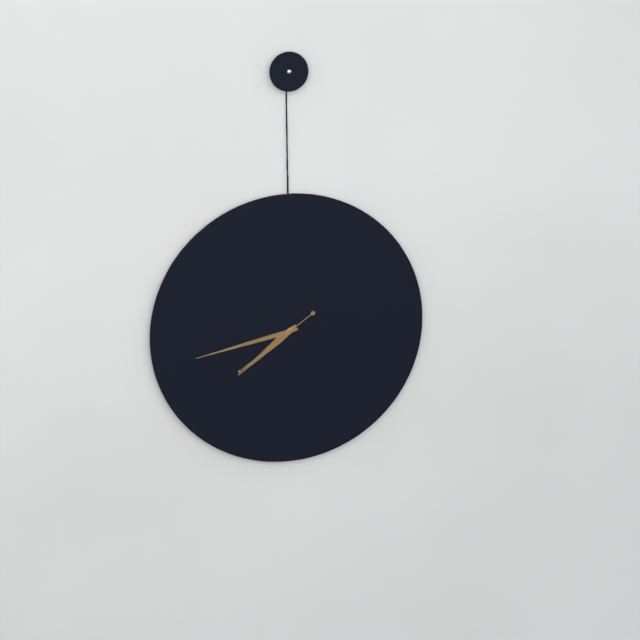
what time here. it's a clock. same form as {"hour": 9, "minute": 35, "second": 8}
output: {"hour": 7, "minute": 43, "second": 39}
